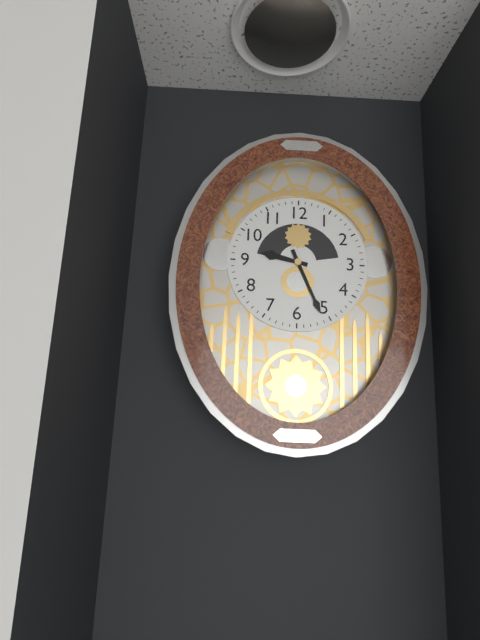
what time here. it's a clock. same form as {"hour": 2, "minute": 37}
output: {"hour": 9, "minute": 26}
